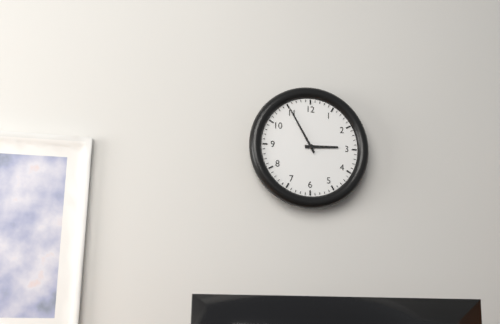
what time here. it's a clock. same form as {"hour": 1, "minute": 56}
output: {"hour": 2, "minute": 55}
